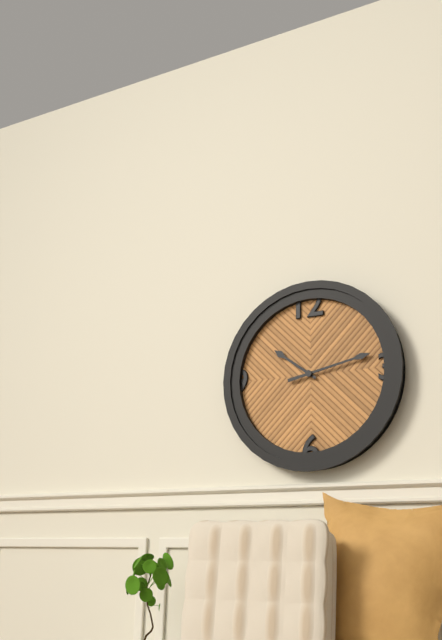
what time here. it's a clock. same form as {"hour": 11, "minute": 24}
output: {"hour": 10, "minute": 13}
